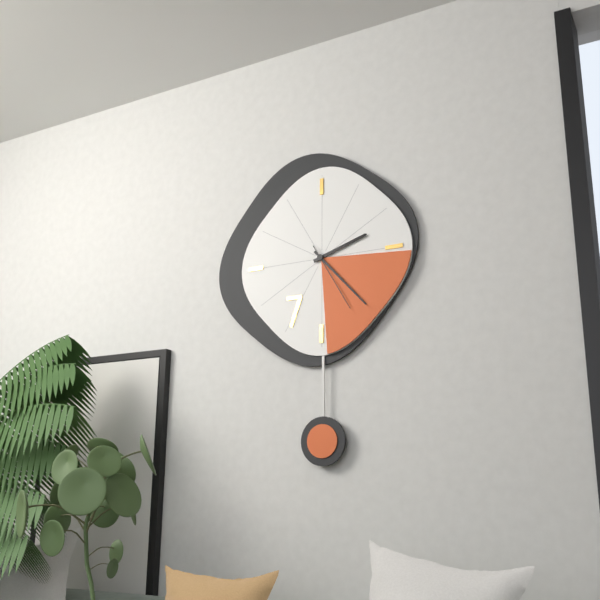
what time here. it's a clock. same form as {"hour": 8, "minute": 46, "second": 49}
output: {"hour": 2, "minute": 23, "second": 25}
